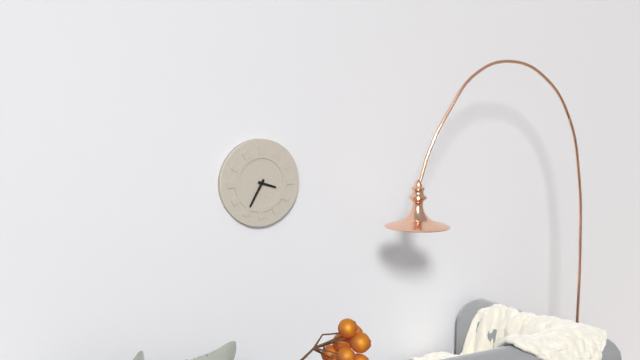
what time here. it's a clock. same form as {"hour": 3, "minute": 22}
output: {"hour": 3, "minute": 35}
